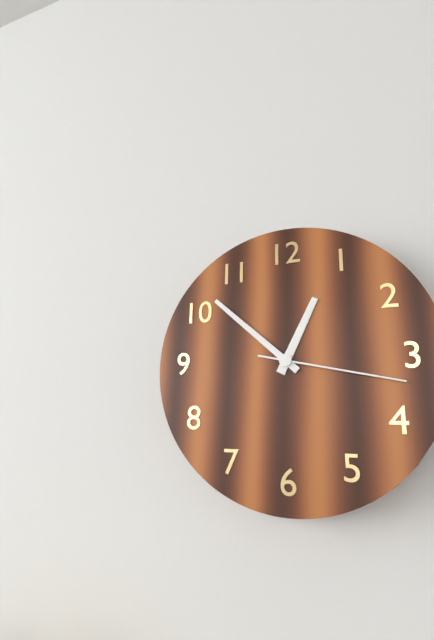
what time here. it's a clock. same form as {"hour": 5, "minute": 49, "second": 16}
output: {"hour": 12, "minute": 52, "second": 17}
